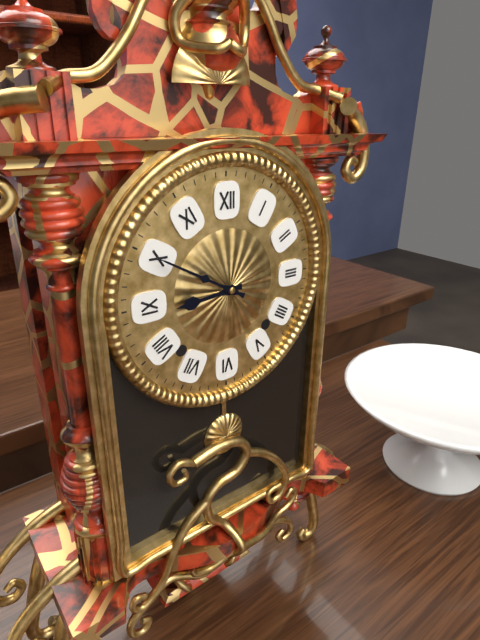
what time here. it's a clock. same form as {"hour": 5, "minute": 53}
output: {"hour": 8, "minute": 50}
